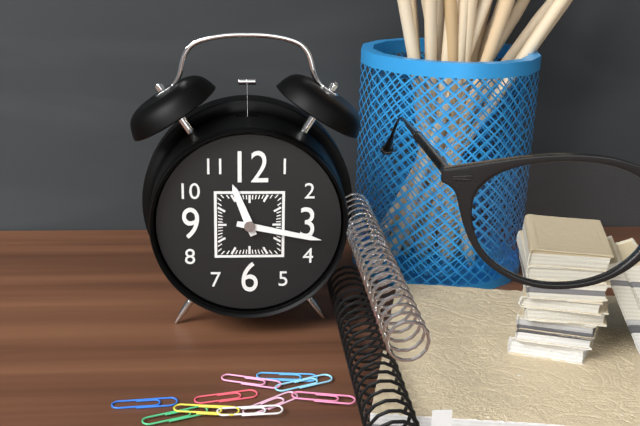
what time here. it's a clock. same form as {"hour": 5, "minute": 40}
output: {"hour": 11, "minute": 17}
